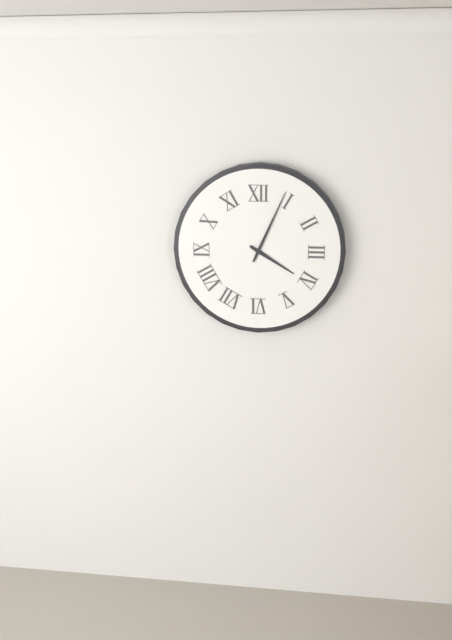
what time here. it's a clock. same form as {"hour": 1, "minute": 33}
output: {"hour": 4, "minute": 4}
